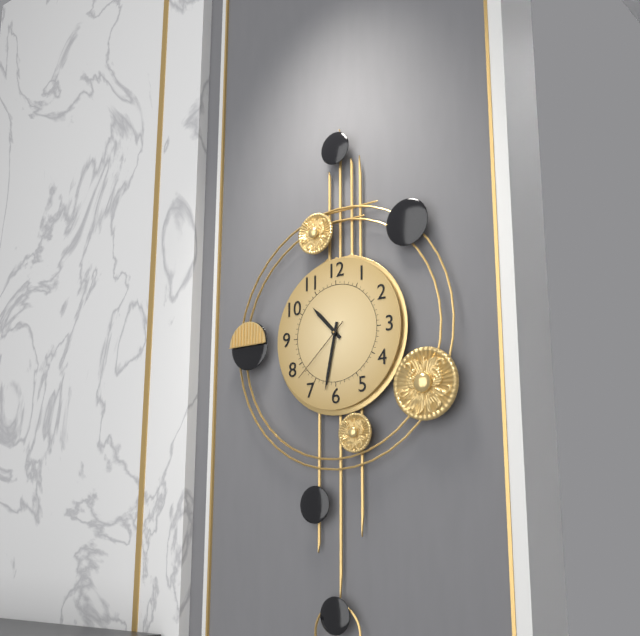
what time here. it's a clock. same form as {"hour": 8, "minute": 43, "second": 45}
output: {"hour": 10, "minute": 32, "second": 38}
